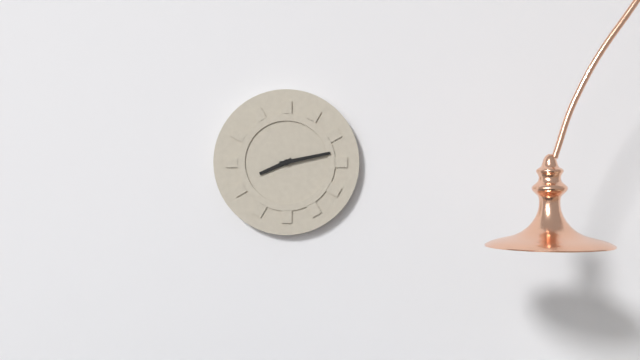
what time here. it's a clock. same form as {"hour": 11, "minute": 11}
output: {"hour": 8, "minute": 13}
